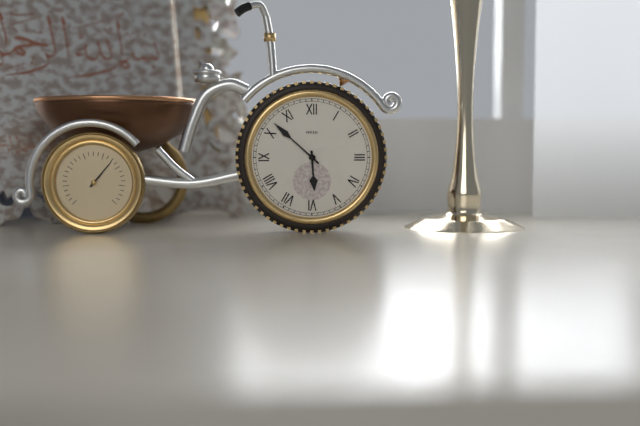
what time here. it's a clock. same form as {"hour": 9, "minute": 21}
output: {"hour": 5, "minute": 52}
